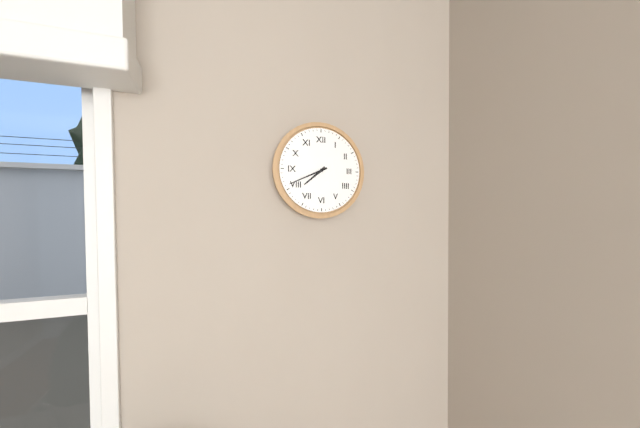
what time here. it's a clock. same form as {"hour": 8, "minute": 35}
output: {"hour": 7, "minute": 41}
